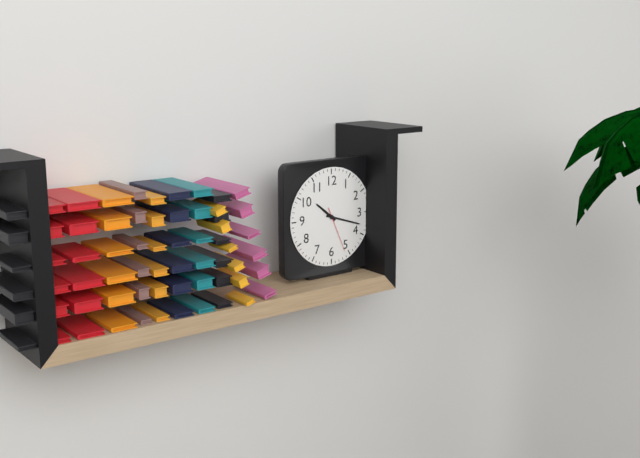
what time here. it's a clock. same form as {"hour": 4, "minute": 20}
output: {"hour": 10, "minute": 18}
